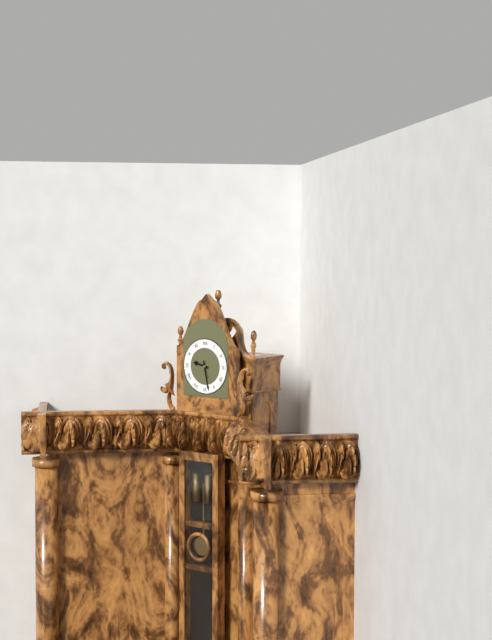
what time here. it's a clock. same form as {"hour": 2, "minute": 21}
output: {"hour": 9, "minute": 28}
